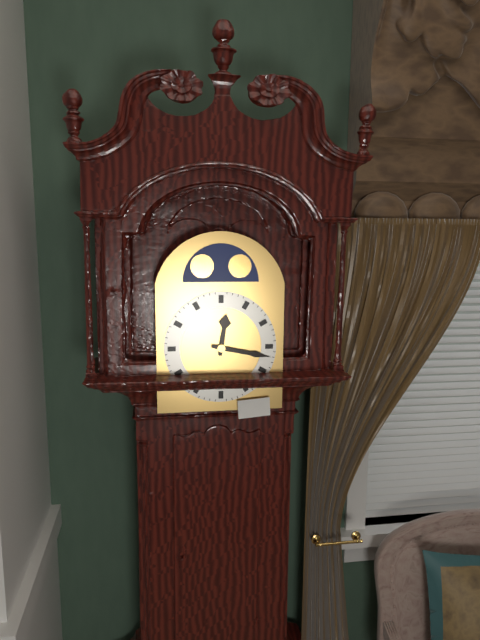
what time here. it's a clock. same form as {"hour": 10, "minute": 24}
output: {"hour": 12, "minute": 17}
